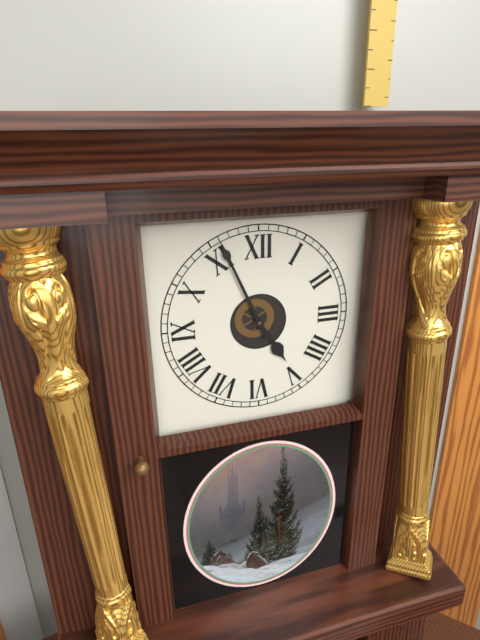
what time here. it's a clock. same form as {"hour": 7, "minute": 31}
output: {"hour": 4, "minute": 56}
